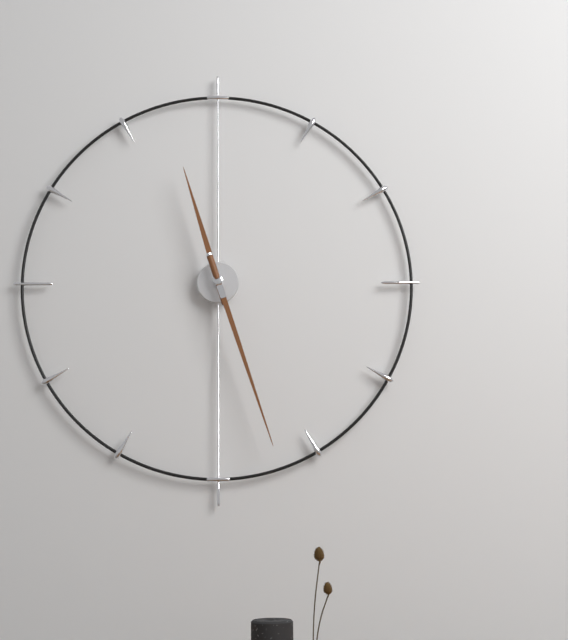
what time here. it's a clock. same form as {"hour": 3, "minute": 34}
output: {"hour": 11, "minute": 27}
